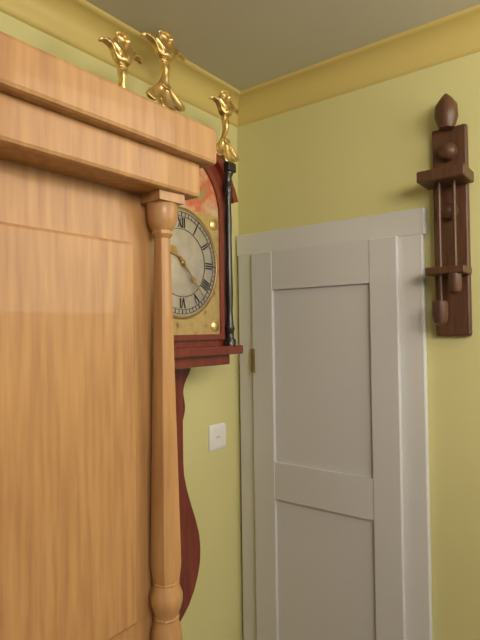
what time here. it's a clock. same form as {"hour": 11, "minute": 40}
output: {"hour": 10, "minute": 23}
